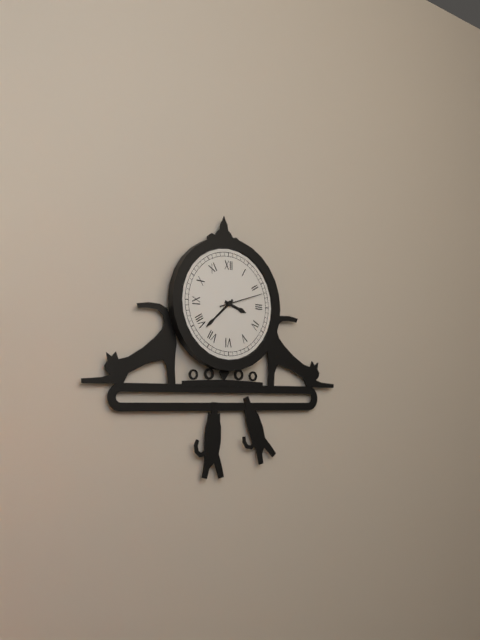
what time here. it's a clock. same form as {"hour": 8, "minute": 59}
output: {"hour": 3, "minute": 38}
